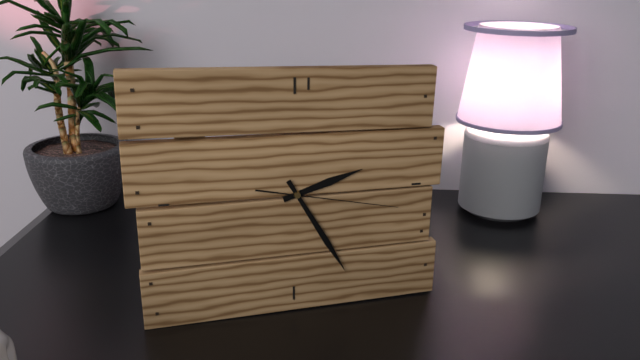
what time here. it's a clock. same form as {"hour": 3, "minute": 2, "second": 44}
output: {"hour": 2, "minute": 25, "second": 17}
